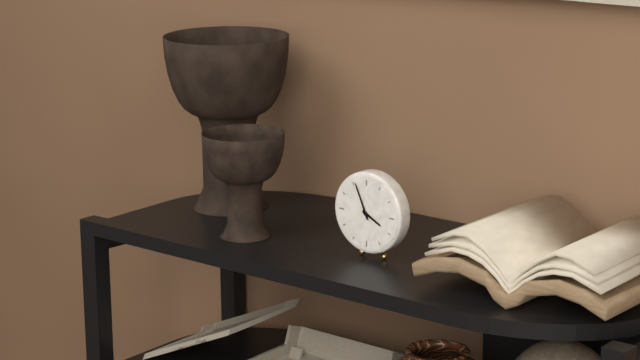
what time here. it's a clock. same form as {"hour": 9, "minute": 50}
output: {"hour": 3, "minute": 56}
